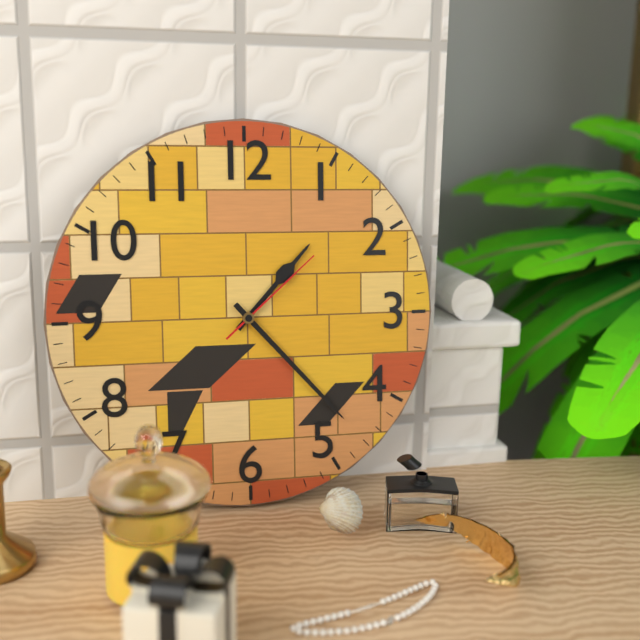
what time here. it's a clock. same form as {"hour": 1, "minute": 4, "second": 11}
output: {"hour": 1, "minute": 23, "second": 8}
